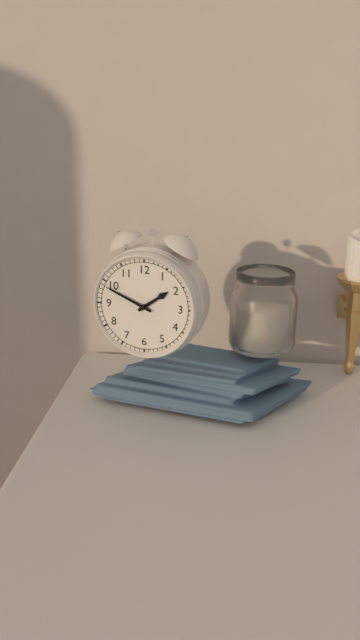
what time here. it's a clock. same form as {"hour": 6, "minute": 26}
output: {"hour": 1, "minute": 49}
